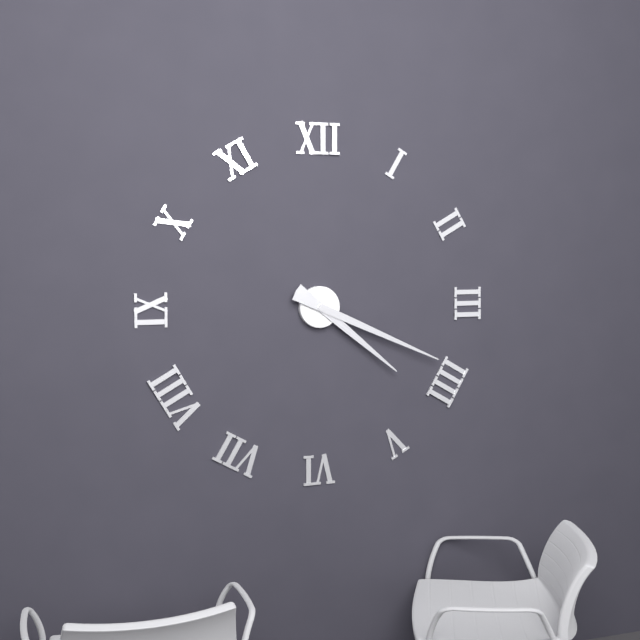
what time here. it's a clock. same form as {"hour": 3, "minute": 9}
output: {"hour": 4, "minute": 19}
